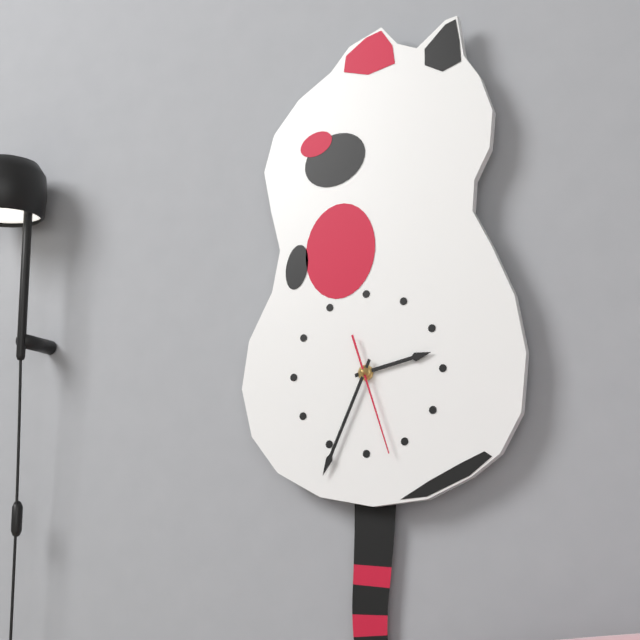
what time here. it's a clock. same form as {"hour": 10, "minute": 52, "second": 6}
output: {"hour": 2, "minute": 34, "second": 27}
